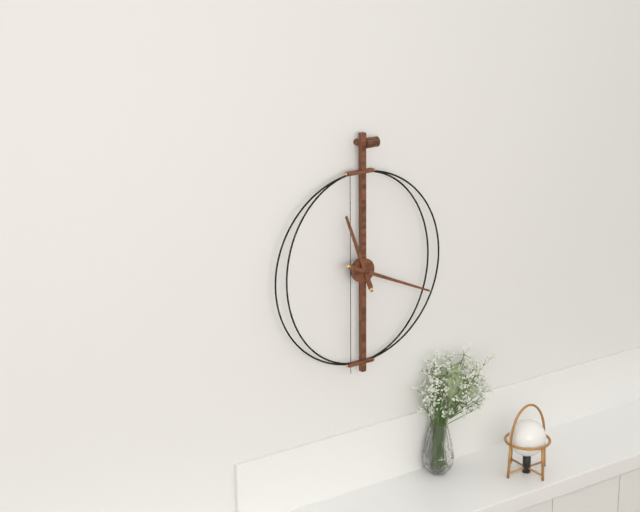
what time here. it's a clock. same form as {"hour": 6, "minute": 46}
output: {"hour": 11, "minute": 19}
